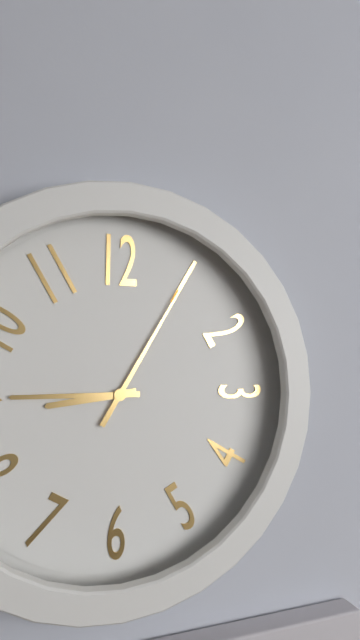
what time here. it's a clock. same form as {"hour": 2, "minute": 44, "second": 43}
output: {"hour": 8, "minute": 45, "second": 5}
